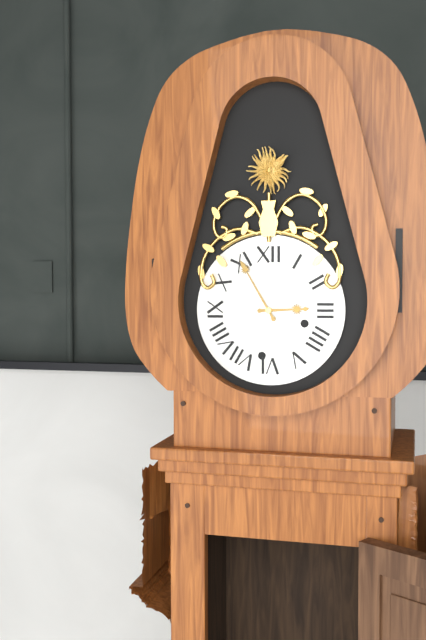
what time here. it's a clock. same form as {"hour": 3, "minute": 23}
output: {"hour": 2, "minute": 55}
